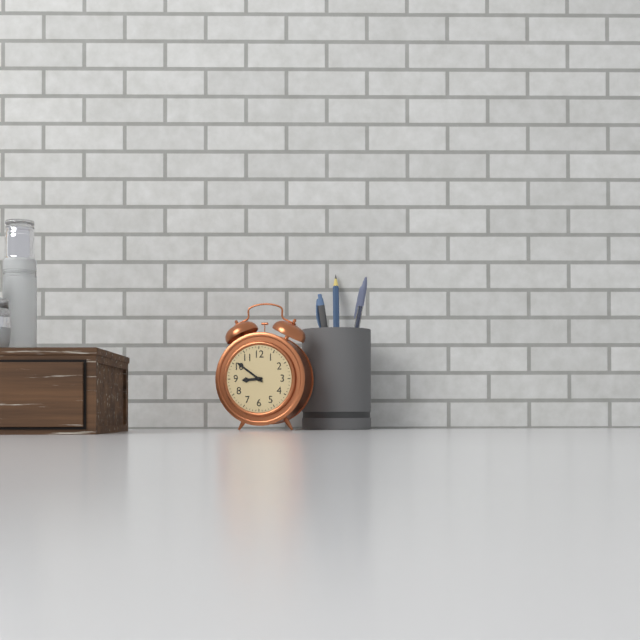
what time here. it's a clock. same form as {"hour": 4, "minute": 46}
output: {"hour": 8, "minute": 51}
